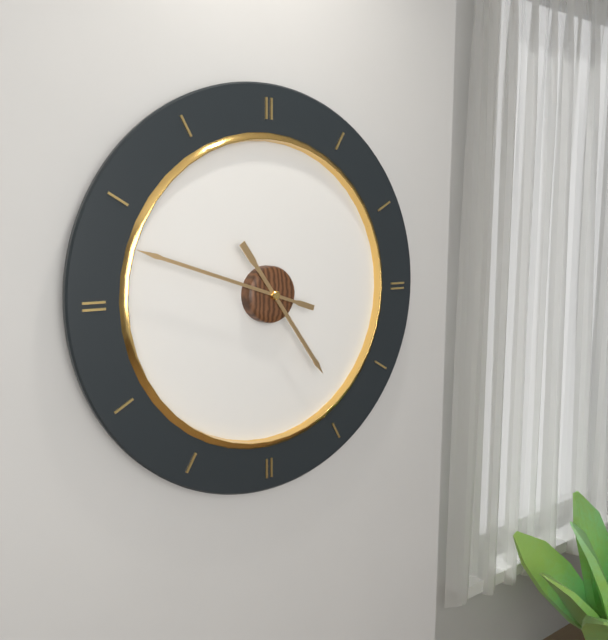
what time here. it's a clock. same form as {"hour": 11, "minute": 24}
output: {"hour": 4, "minute": 48}
